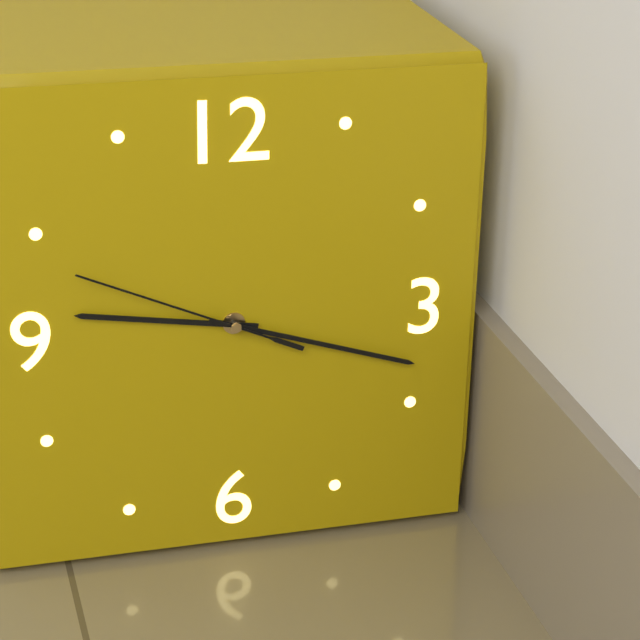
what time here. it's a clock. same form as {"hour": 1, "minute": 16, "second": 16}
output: {"hour": 9, "minute": 18, "second": 49}
